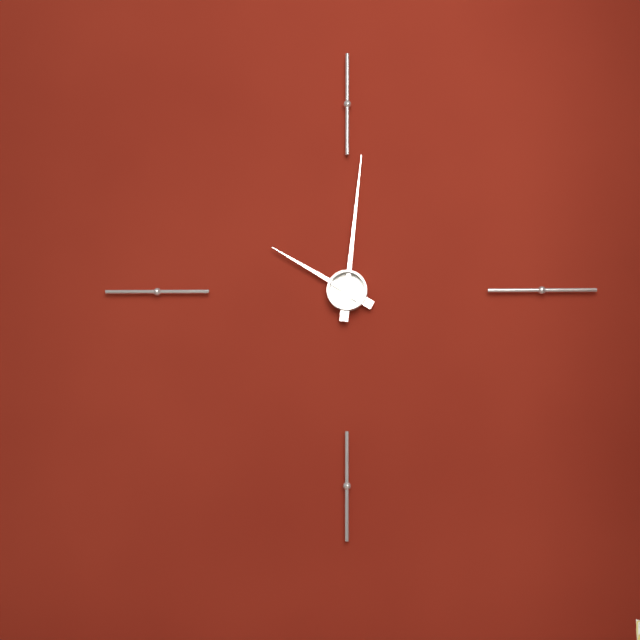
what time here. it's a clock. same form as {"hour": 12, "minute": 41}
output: {"hour": 10, "minute": 1}
